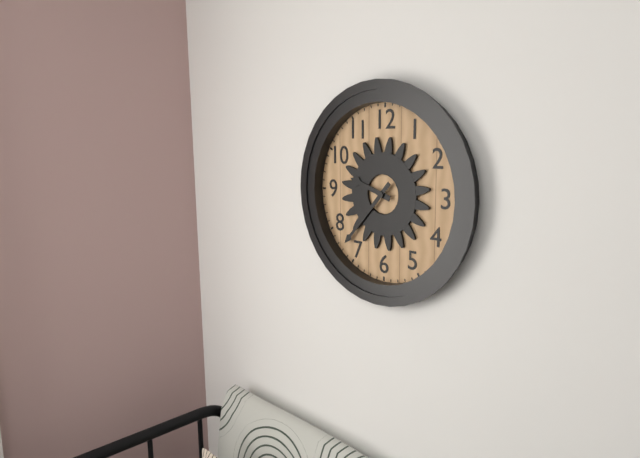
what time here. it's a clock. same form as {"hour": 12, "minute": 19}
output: {"hour": 9, "minute": 37}
